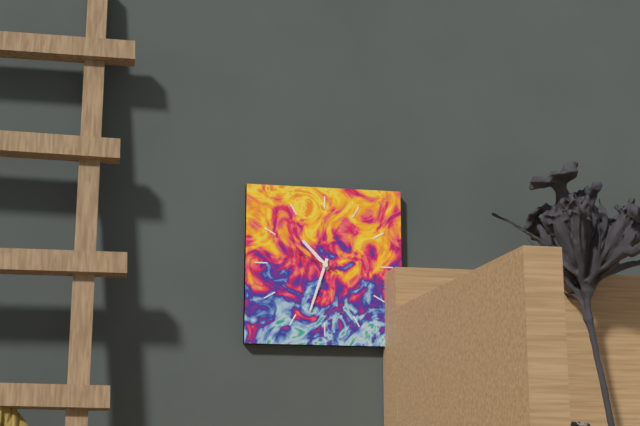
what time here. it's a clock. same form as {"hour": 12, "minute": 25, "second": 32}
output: {"hour": 10, "minute": 33, "second": 49}
